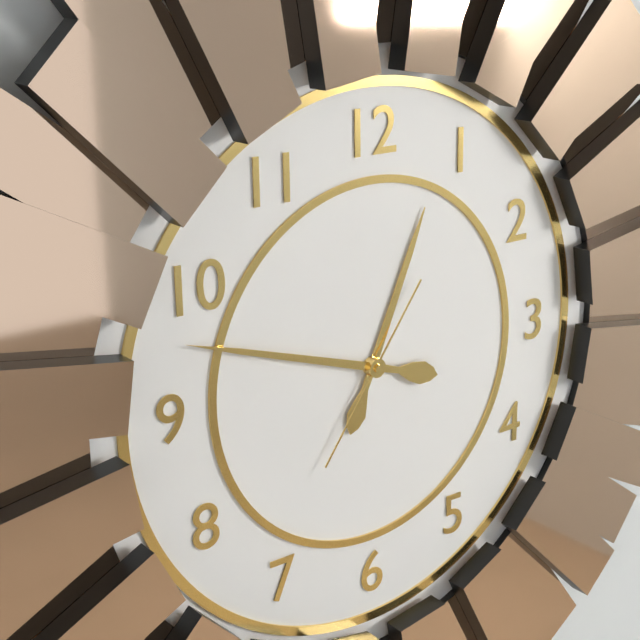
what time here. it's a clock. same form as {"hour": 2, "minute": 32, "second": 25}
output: {"hour": 12, "minute": 48, "second": 36}
